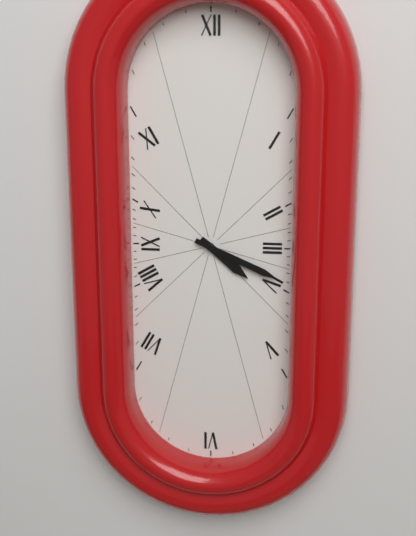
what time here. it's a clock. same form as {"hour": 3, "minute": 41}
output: {"hour": 4, "minute": 19}
